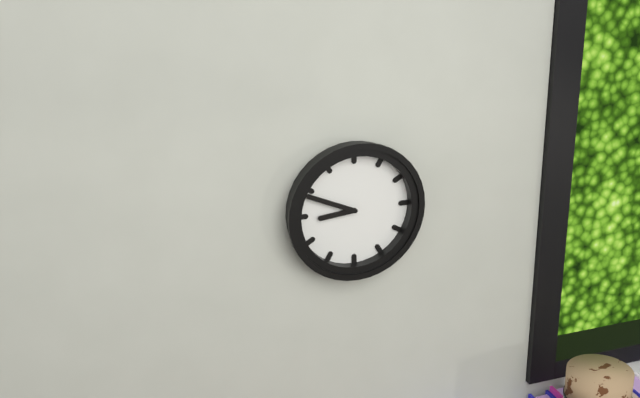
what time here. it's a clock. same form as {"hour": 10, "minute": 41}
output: {"hour": 8, "minute": 49}
